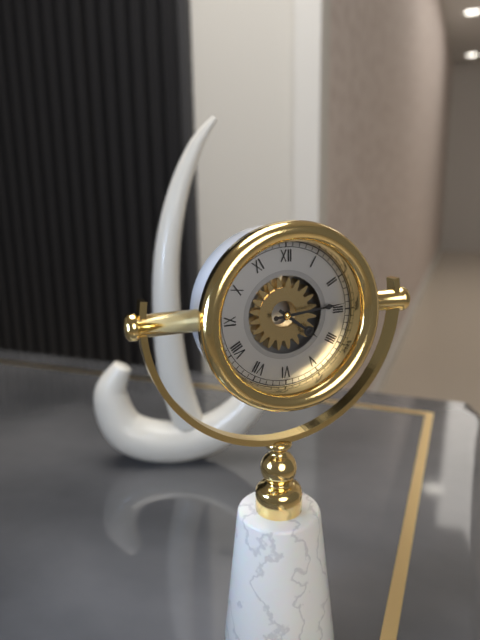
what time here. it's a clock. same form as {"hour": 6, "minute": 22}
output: {"hour": 4, "minute": 14}
